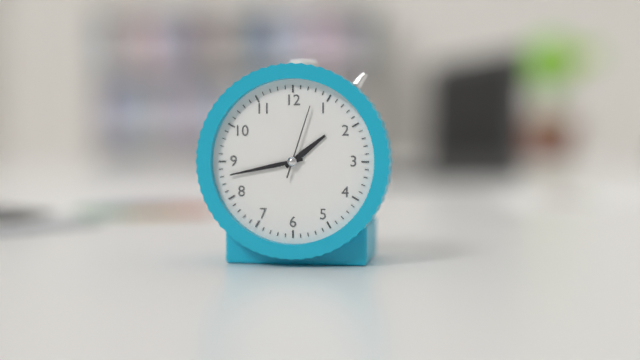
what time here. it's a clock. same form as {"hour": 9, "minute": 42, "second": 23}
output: {"hour": 1, "minute": 43, "second": 3}
